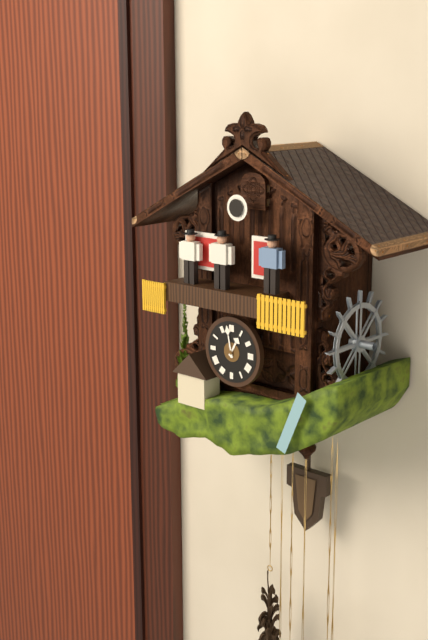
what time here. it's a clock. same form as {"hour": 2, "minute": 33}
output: {"hour": 12, "minute": 58}
